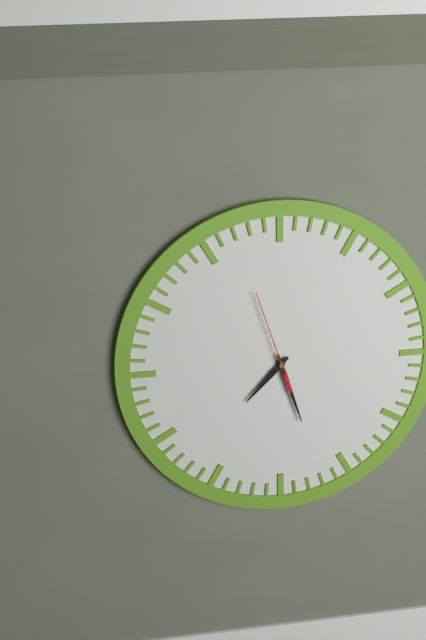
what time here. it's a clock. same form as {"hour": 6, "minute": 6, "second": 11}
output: {"hour": 7, "minute": 27, "second": 57}
